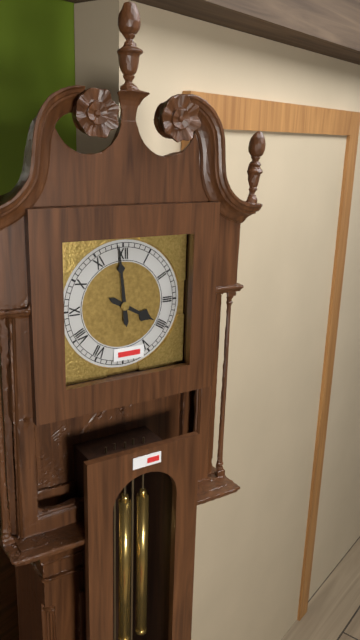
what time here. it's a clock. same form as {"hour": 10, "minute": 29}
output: {"hour": 3, "minute": 59}
